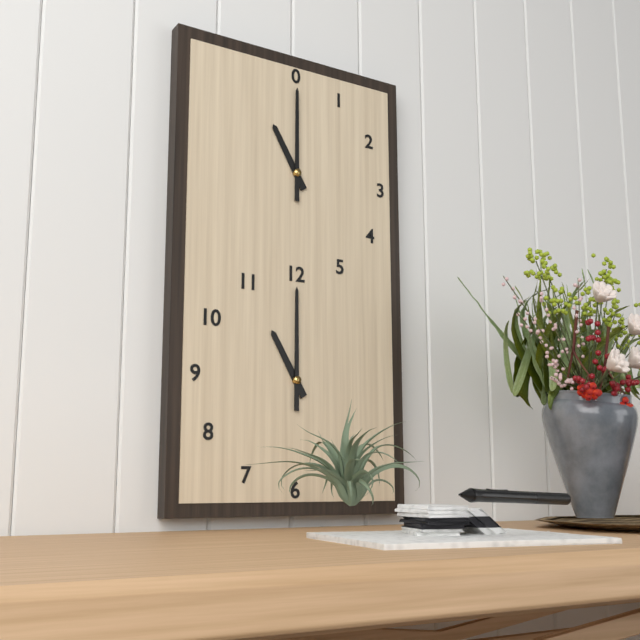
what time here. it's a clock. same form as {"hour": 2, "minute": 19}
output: {"hour": 11, "minute": 0}
